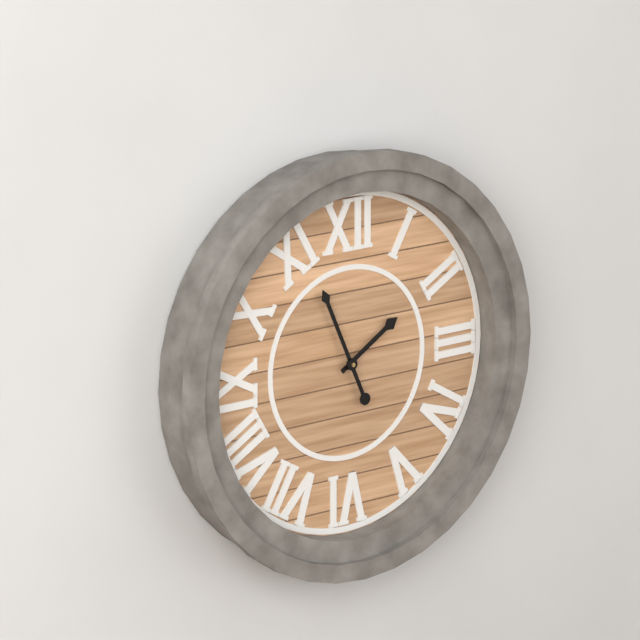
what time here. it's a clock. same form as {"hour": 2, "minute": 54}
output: {"hour": 1, "minute": 56}
